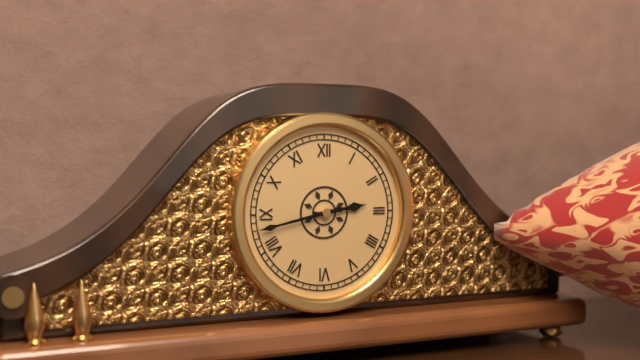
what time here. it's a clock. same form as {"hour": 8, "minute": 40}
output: {"hour": 2, "minute": 43}
